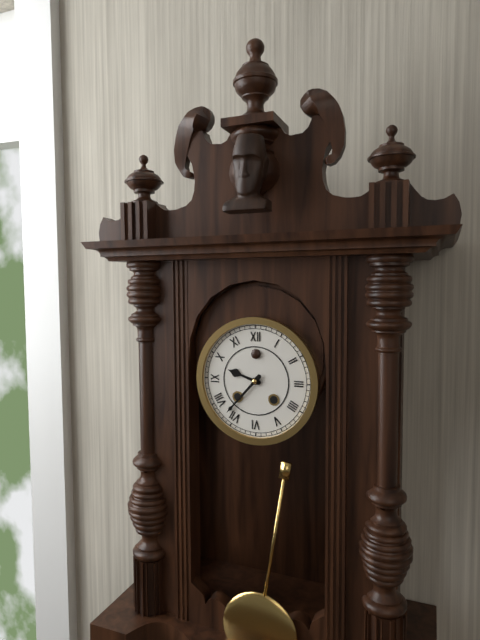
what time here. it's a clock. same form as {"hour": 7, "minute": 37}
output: {"hour": 9, "minute": 37}
